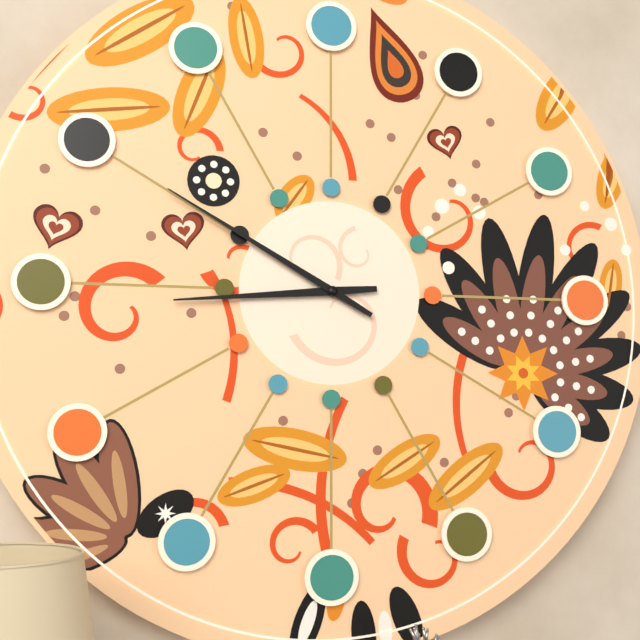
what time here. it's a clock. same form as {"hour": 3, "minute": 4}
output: {"hour": 8, "minute": 50}
